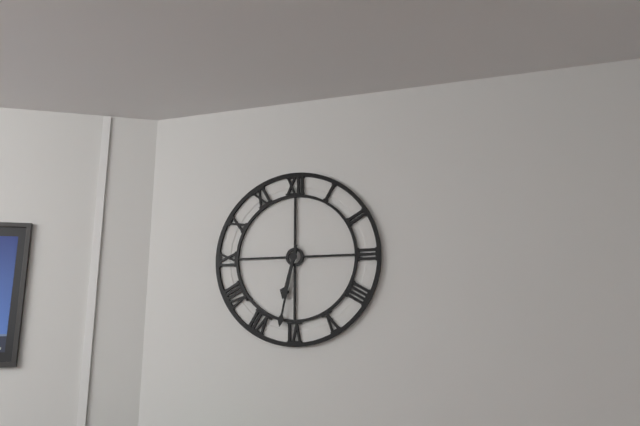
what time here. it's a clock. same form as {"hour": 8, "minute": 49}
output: {"hour": 6, "minute": 32}
